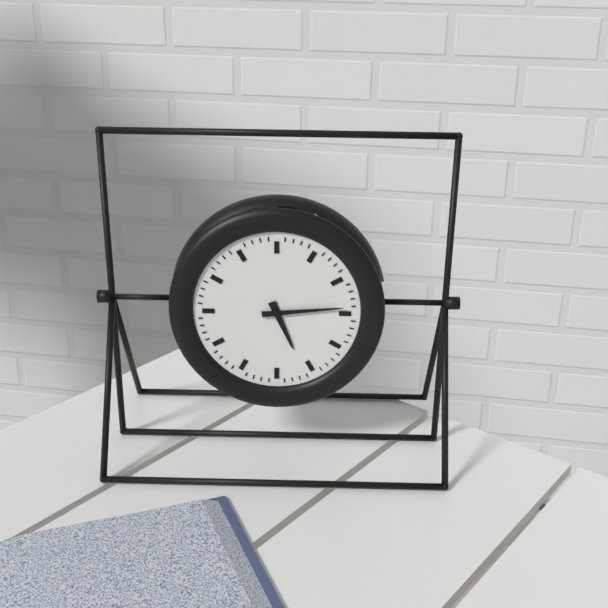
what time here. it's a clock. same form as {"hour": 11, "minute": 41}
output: {"hour": 5, "minute": 14}
